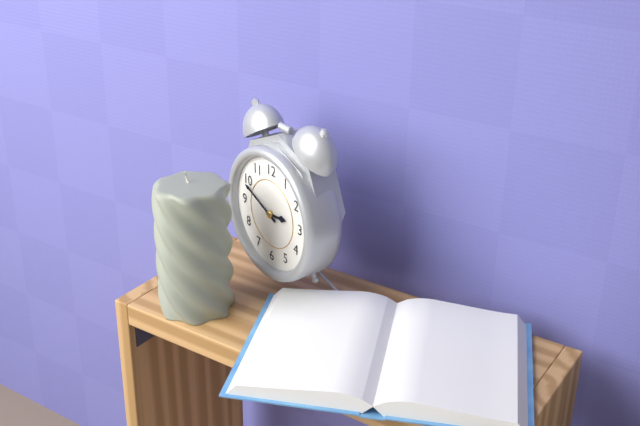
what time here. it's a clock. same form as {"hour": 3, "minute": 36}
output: {"hour": 2, "minute": 49}
